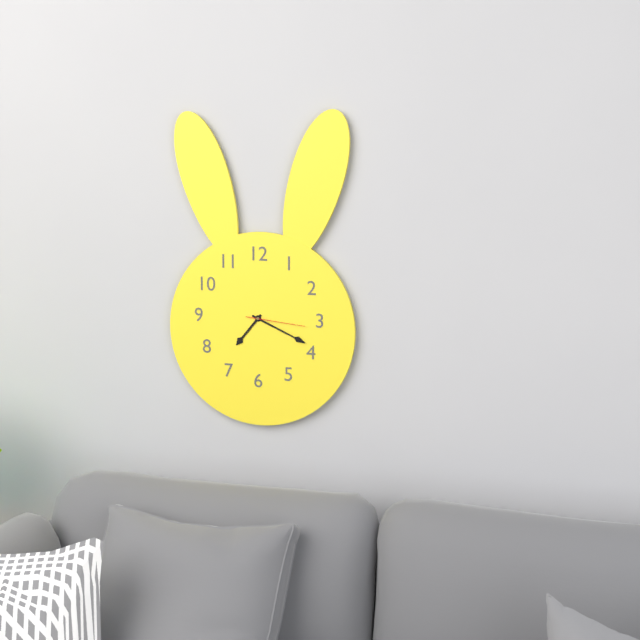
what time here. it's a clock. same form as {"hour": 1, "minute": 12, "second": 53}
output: {"hour": 7, "minute": 19, "second": 16}
